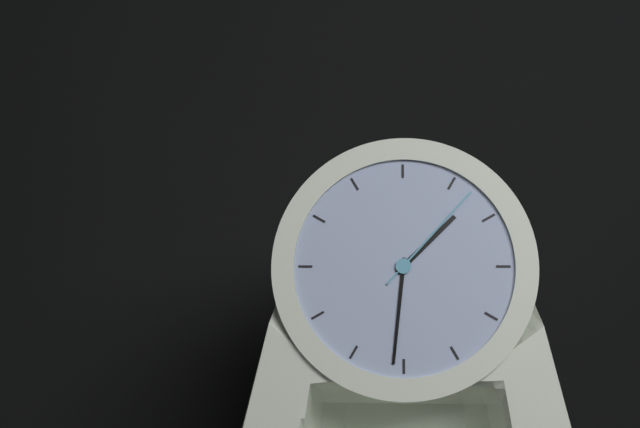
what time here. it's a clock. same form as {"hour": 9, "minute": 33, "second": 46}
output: {"hour": 1, "minute": 31, "second": 7}
